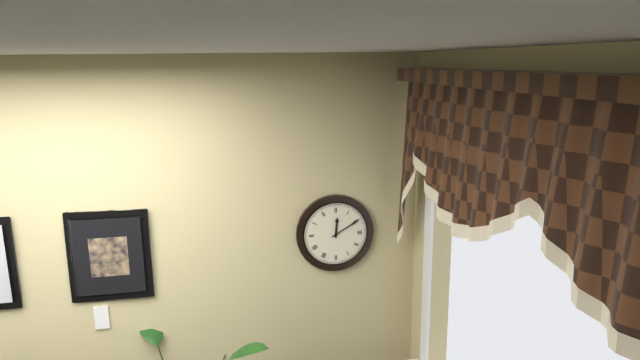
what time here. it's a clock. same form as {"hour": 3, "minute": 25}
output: {"hour": 12, "minute": 10}
